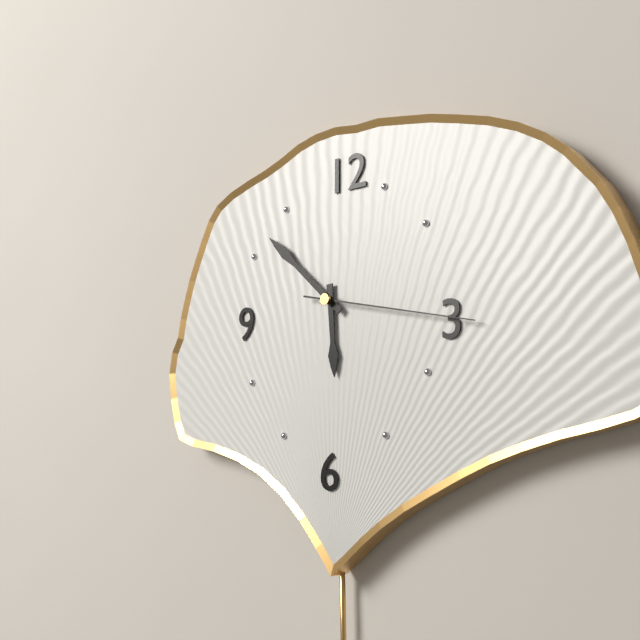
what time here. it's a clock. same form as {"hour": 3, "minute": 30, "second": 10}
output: {"hour": 5, "minute": 52, "second": 17}
